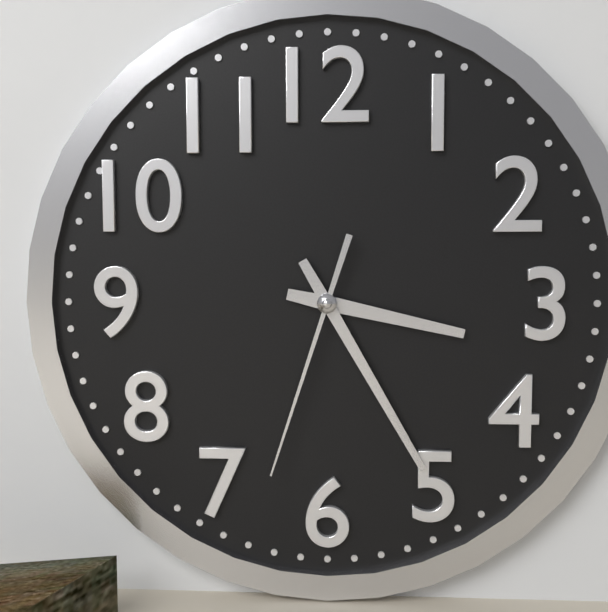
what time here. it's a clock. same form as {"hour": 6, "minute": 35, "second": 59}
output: {"hour": 3, "minute": 25, "second": 33}
